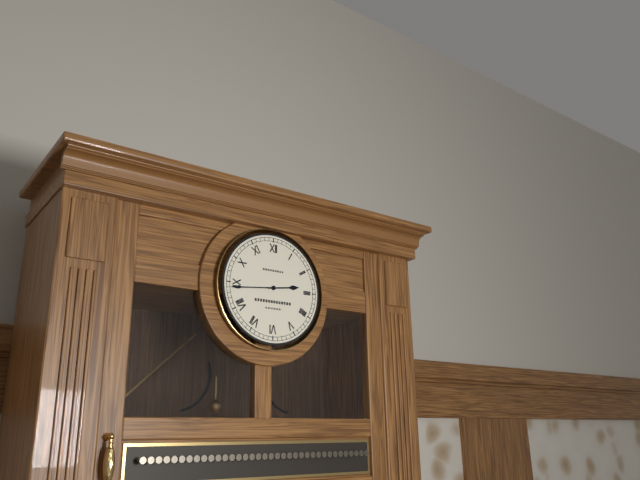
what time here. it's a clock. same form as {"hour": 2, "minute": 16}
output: {"hour": 2, "minute": 44}
